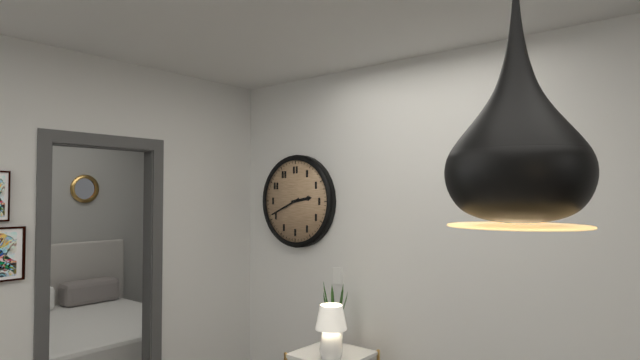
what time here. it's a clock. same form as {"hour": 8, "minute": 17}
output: {"hour": 2, "minute": 41}
